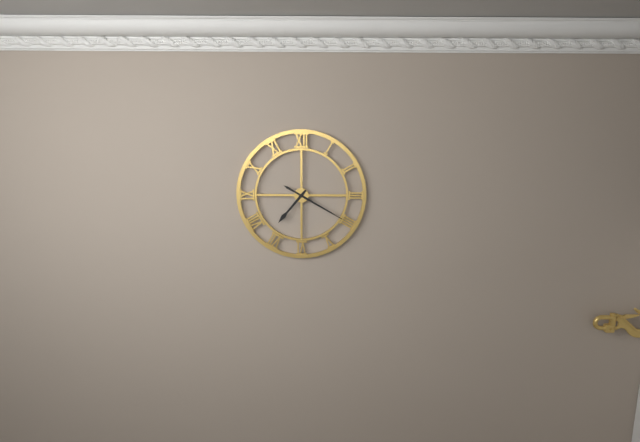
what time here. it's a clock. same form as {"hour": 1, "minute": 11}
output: {"hour": 7, "minute": 20}
